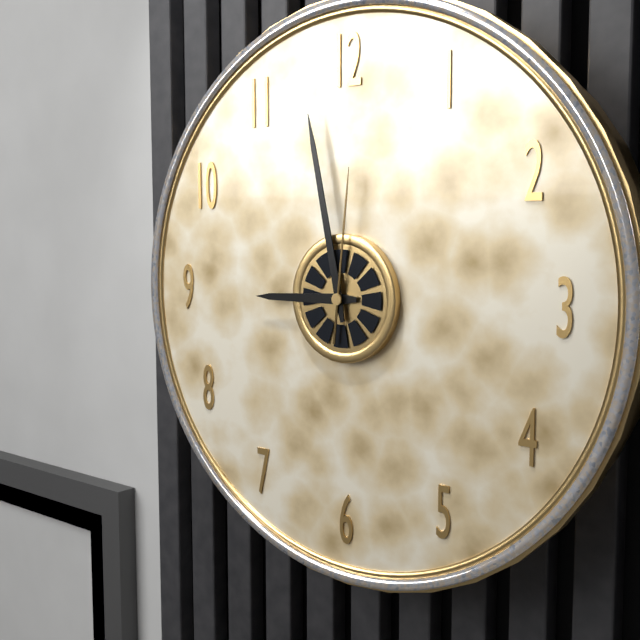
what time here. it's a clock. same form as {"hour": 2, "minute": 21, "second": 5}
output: {"hour": 8, "minute": 58, "second": 1}
